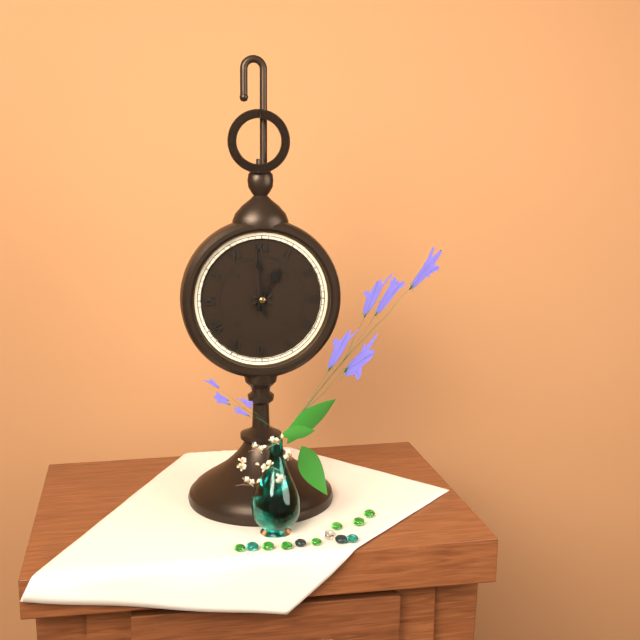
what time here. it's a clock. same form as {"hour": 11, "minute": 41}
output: {"hour": 12, "minute": 59}
